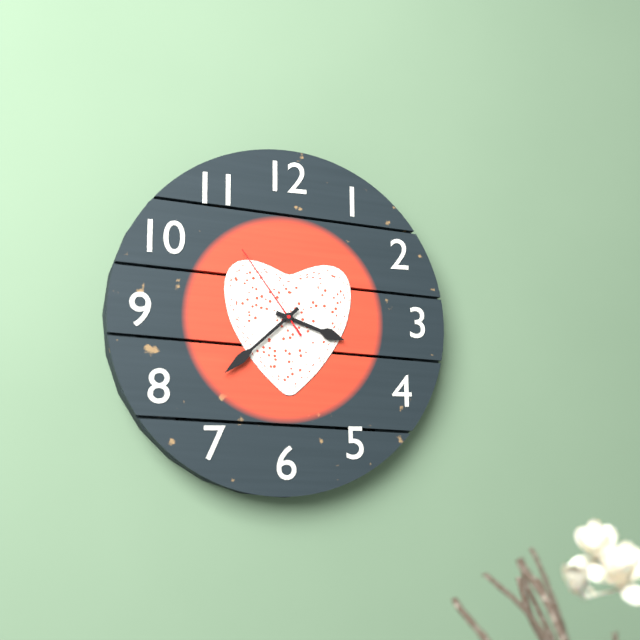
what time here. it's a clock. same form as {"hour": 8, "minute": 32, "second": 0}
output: {"hour": 3, "minute": 38, "second": 54}
